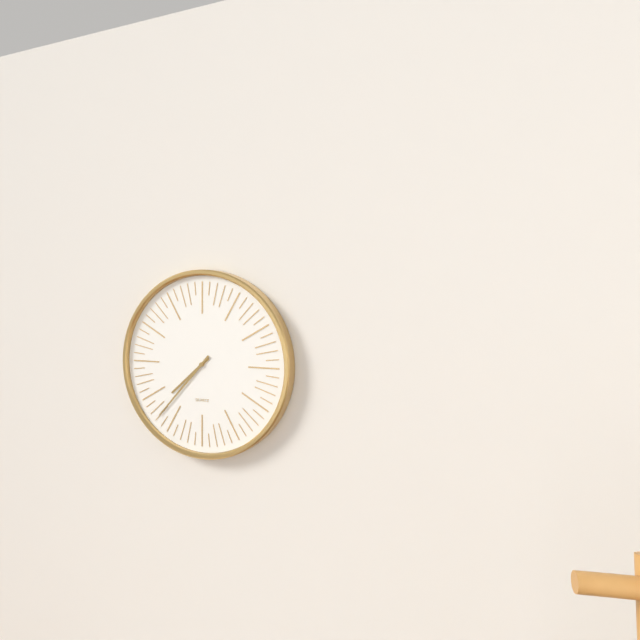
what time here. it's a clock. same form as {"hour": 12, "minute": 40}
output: {"hour": 7, "minute": 37}
